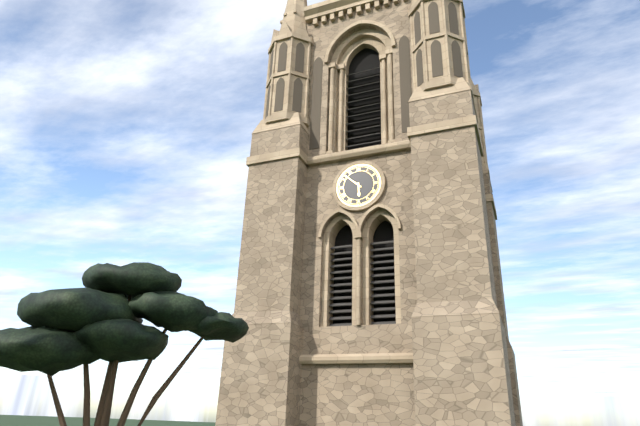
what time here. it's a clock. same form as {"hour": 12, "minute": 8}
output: {"hour": 5, "minute": 52}
